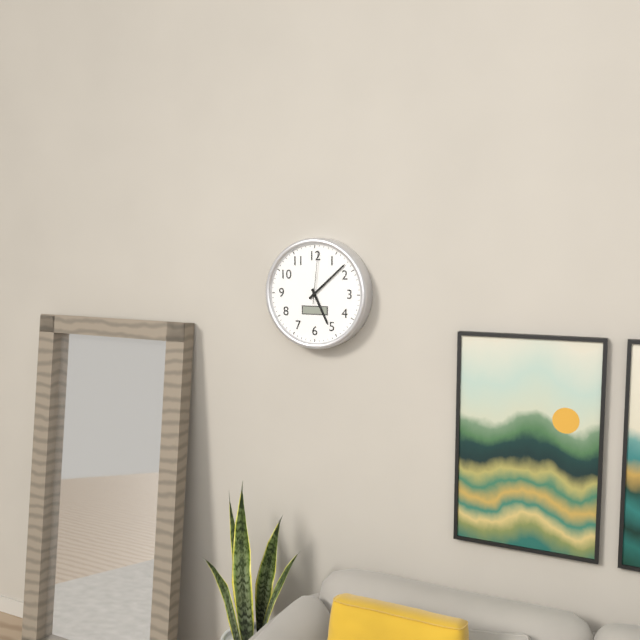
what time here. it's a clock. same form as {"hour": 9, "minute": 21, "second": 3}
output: {"hour": 5, "minute": 8, "second": 1}
